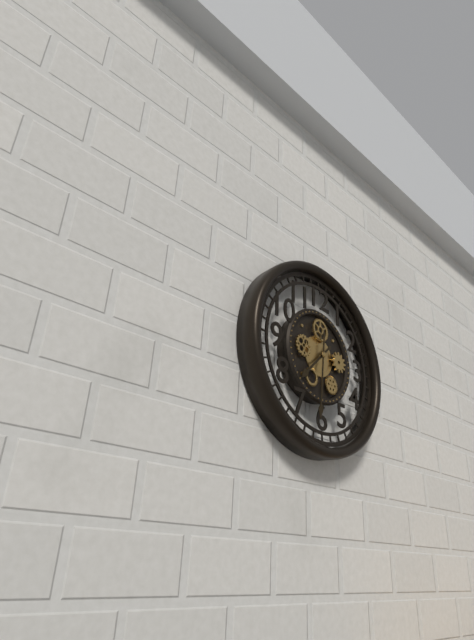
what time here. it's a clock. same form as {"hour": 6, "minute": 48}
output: {"hour": 7, "minute": 31}
